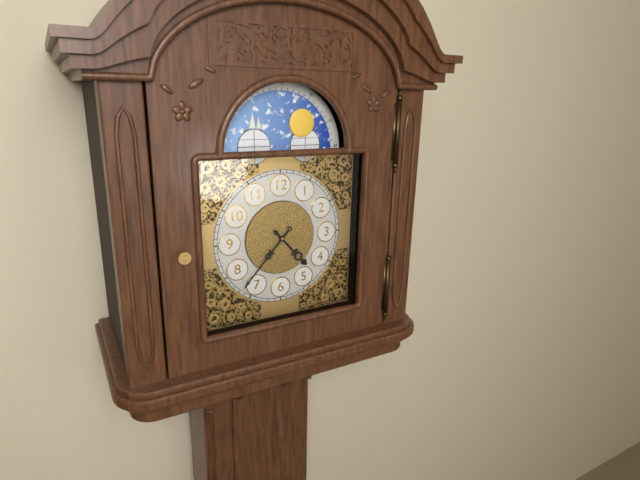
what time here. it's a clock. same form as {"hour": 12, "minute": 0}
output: {"hour": 4, "minute": 37}
